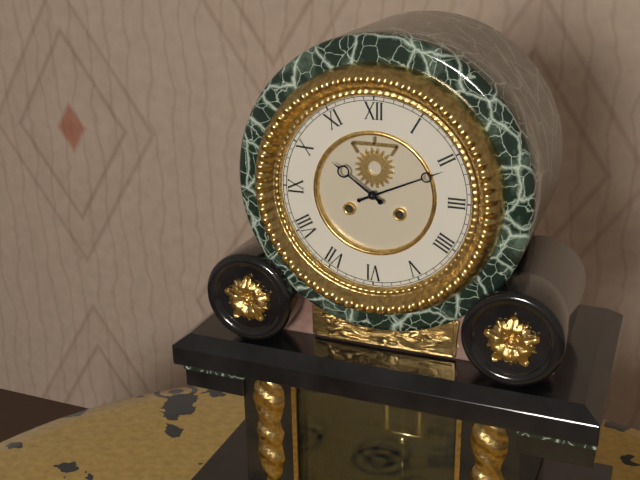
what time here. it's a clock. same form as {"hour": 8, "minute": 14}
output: {"hour": 10, "minute": 11}
